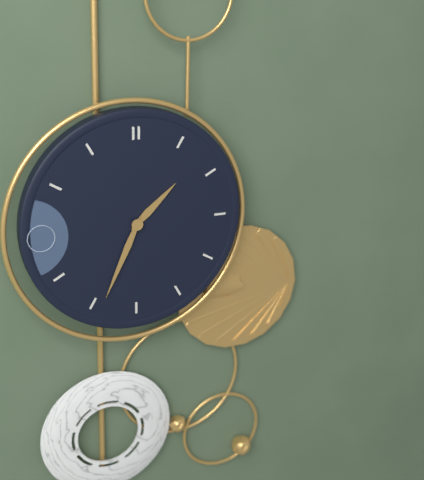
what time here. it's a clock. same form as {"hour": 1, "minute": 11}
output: {"hour": 1, "minute": 34}
